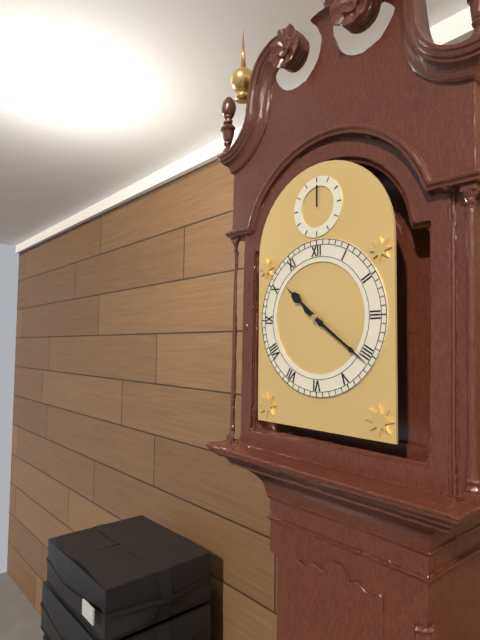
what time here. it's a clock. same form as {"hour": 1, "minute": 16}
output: {"hour": 10, "minute": 21}
